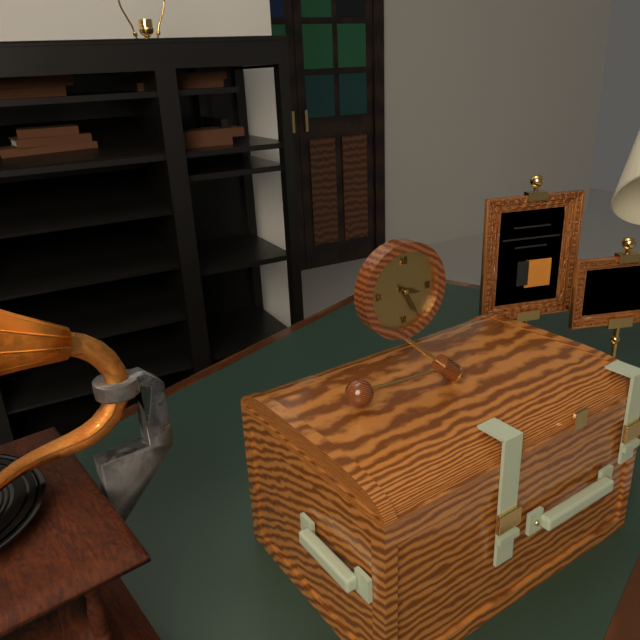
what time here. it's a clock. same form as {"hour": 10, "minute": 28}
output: {"hour": 3, "minute": 25}
